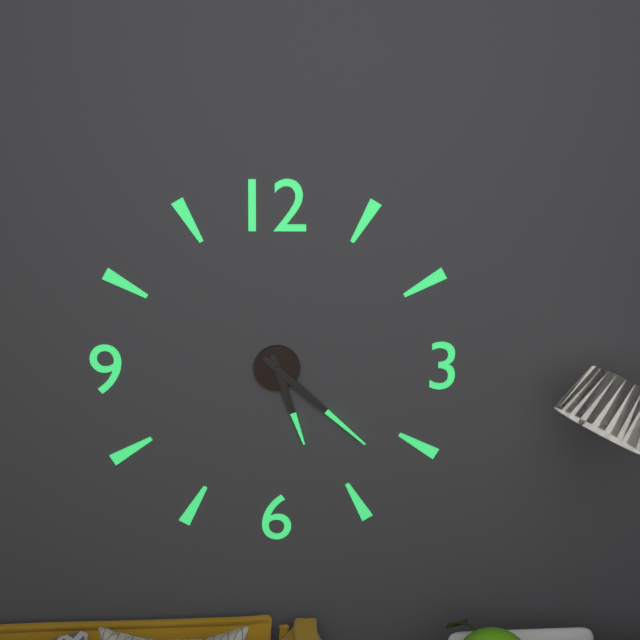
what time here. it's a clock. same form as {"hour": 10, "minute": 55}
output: {"hour": 5, "minute": 22}
